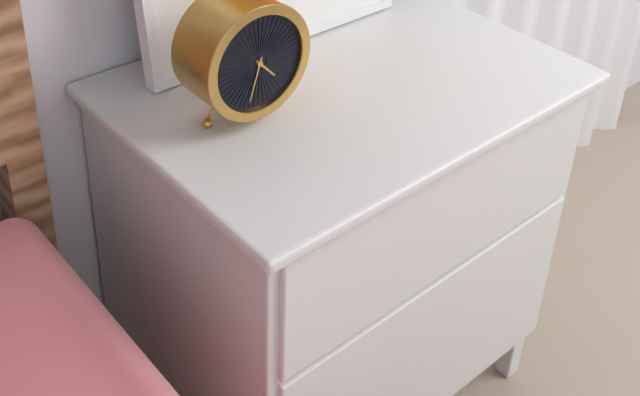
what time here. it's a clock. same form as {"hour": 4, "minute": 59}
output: {"hour": 4, "minute": 33}
